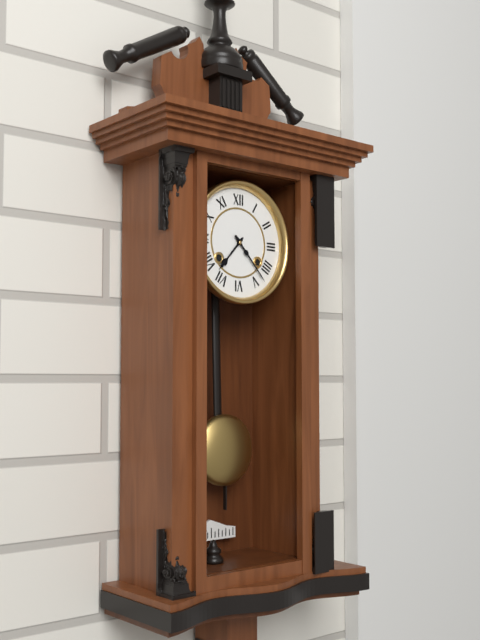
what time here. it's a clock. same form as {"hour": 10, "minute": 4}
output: {"hour": 7, "minute": 23}
